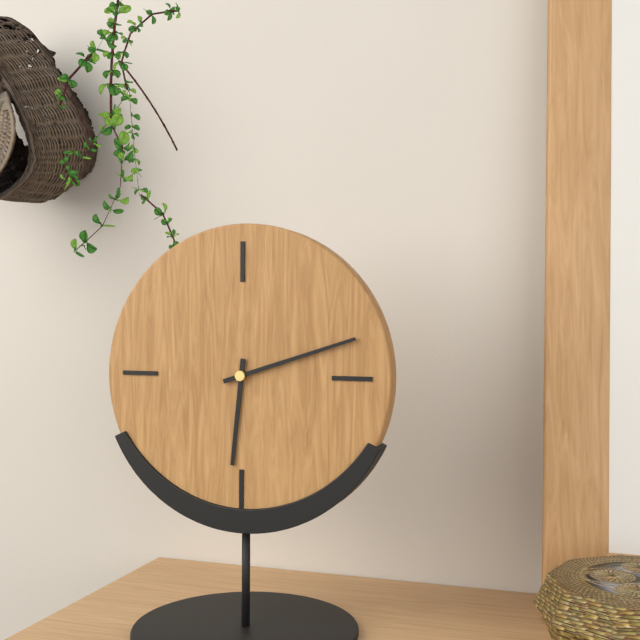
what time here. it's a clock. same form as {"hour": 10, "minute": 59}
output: {"hour": 6, "minute": 12}
